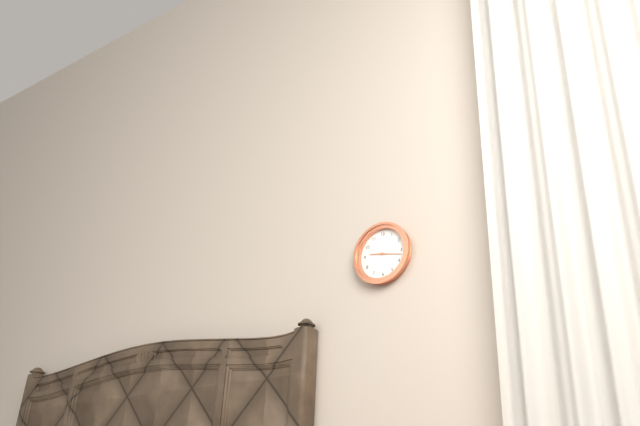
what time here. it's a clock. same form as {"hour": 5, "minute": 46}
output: {"hour": 9, "minute": 17}
